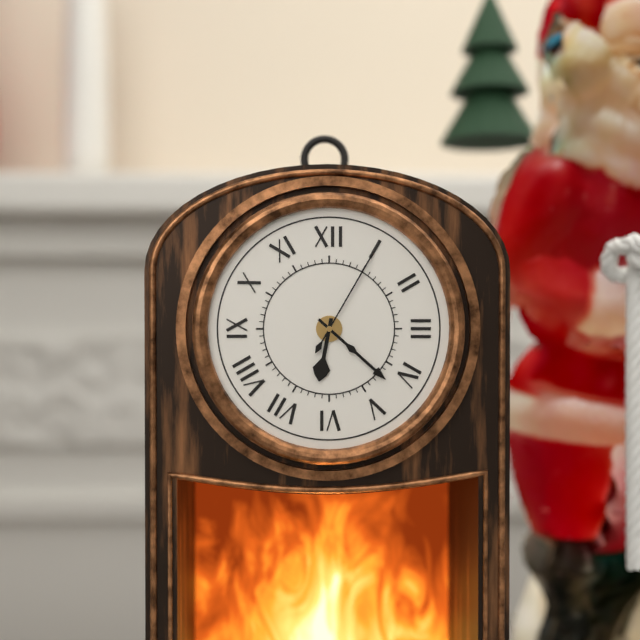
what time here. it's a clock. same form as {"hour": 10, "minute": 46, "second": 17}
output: {"hour": 6, "minute": 22, "second": 5}
